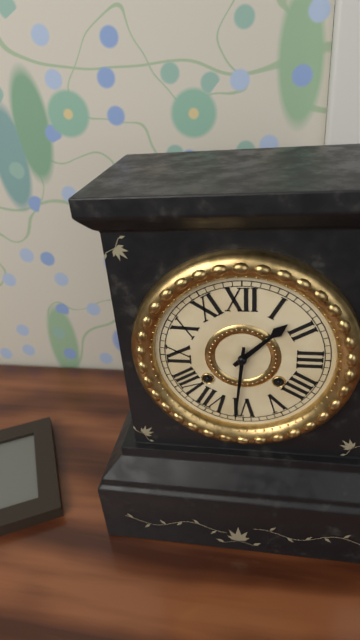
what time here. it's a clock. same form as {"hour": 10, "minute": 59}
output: {"hour": 1, "minute": 31}
